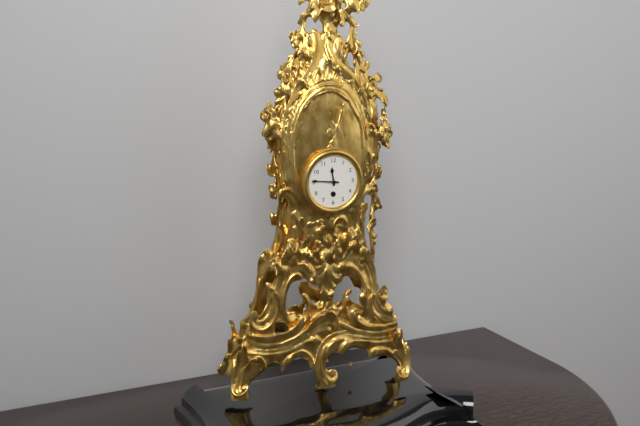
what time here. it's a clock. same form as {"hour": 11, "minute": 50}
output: {"hour": 11, "minute": 46}
